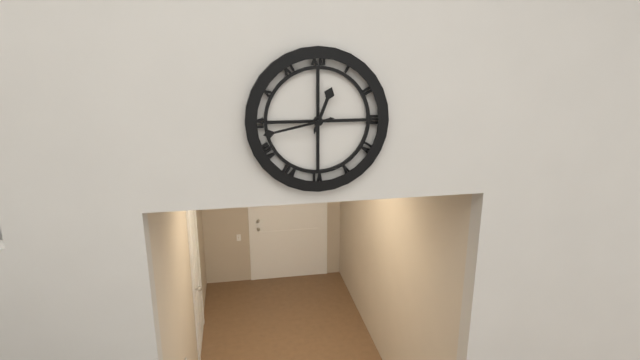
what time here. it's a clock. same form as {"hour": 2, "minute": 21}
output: {"hour": 12, "minute": 43}
